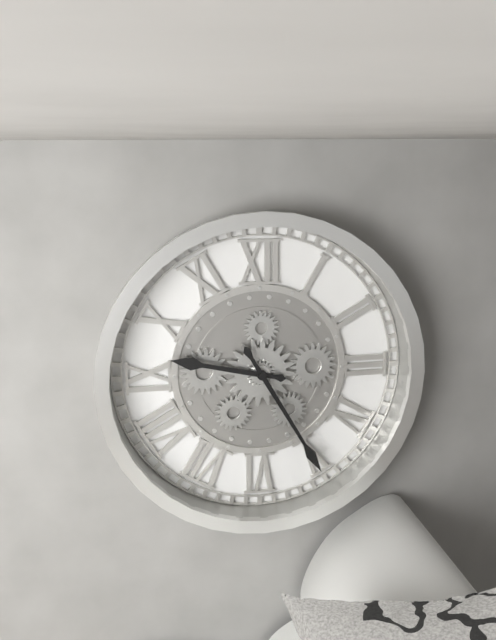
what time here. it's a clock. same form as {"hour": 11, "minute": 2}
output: {"hour": 9, "minute": 25}
